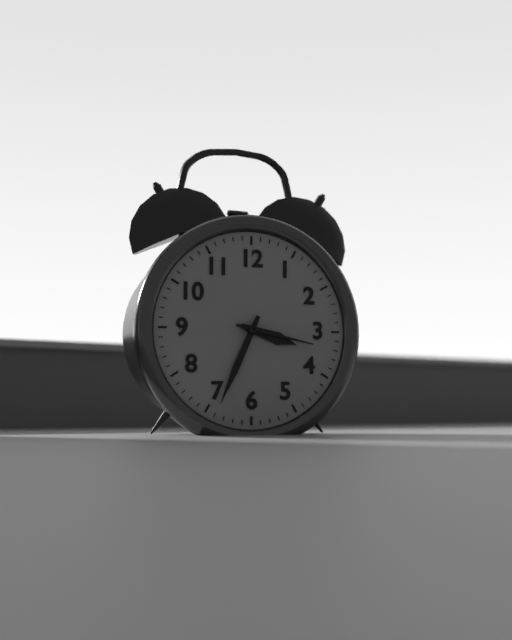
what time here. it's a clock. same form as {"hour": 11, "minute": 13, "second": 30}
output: {"hour": 3, "minute": 34, "second": 17}
